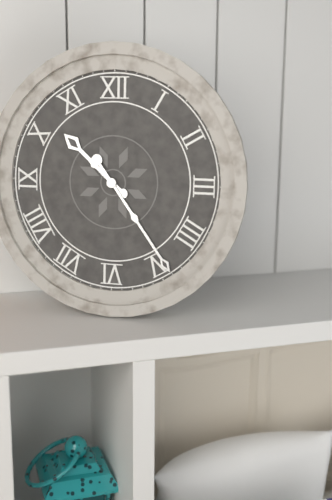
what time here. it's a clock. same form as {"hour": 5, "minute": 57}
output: {"hour": 10, "minute": 24}
